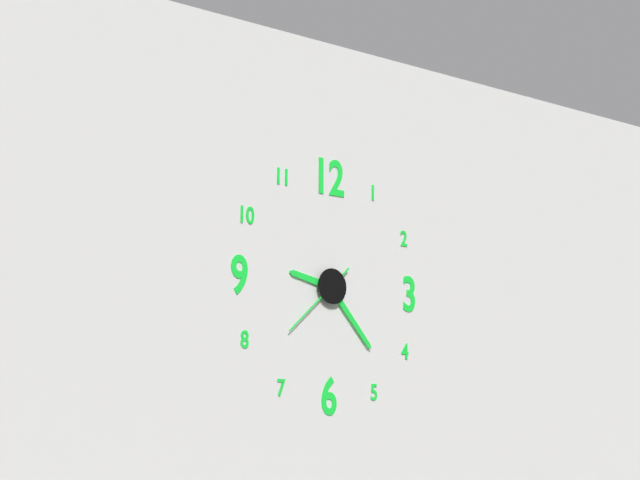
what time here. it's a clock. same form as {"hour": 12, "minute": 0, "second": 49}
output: {"hour": 9, "minute": 23, "second": 38}
